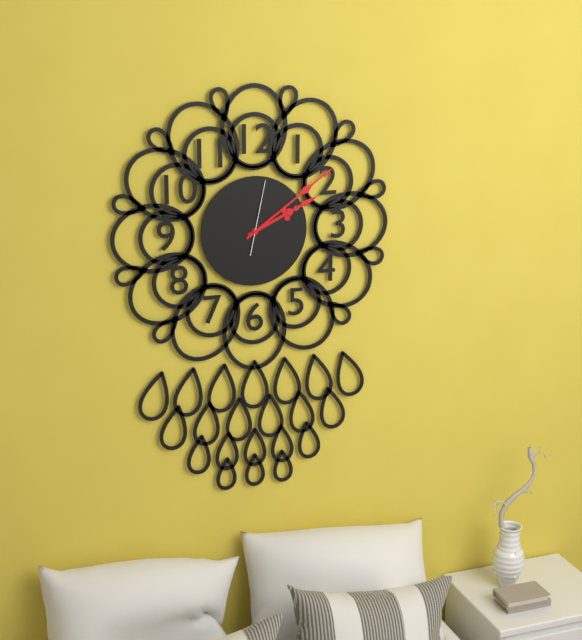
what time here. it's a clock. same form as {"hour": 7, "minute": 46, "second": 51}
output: {"hour": 2, "minute": 9, "second": 2}
